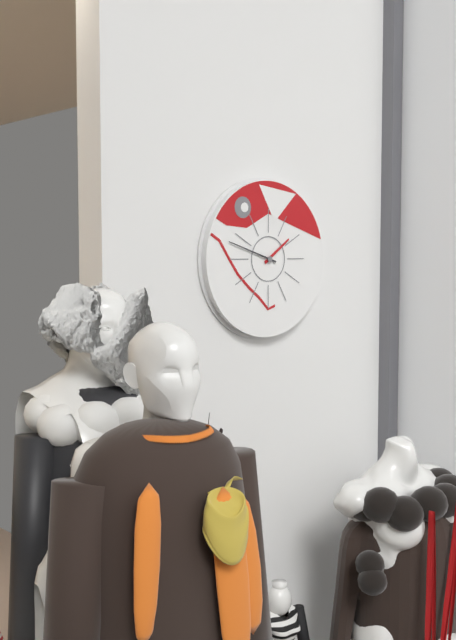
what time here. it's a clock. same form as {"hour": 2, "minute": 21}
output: {"hour": 1, "minute": 48}
